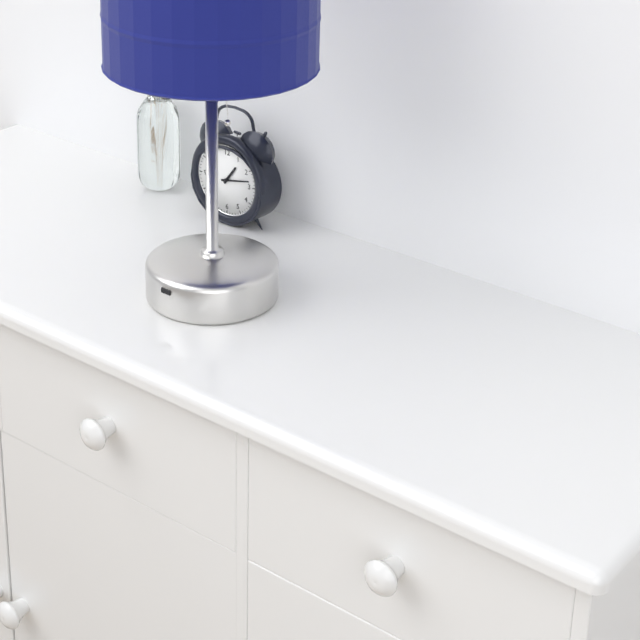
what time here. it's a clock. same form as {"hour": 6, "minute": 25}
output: {"hour": 1, "minute": 13}
